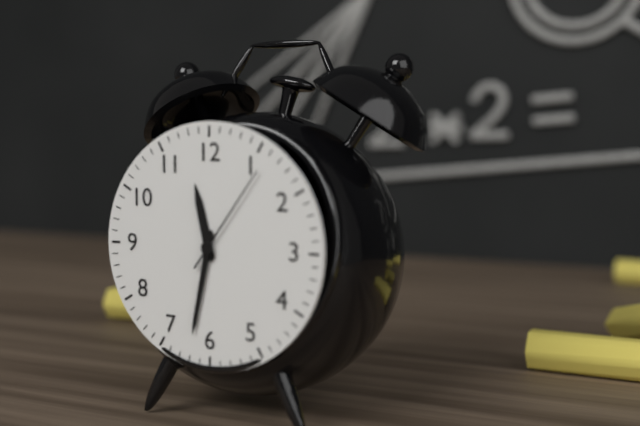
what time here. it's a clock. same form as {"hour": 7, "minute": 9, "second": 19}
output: {"hour": 11, "minute": 32, "second": 6}
